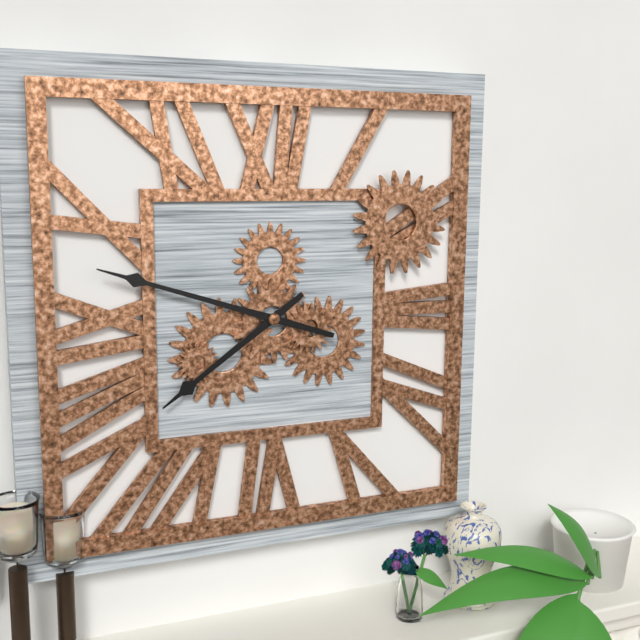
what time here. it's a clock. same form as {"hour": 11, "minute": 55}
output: {"hour": 7, "minute": 48}
